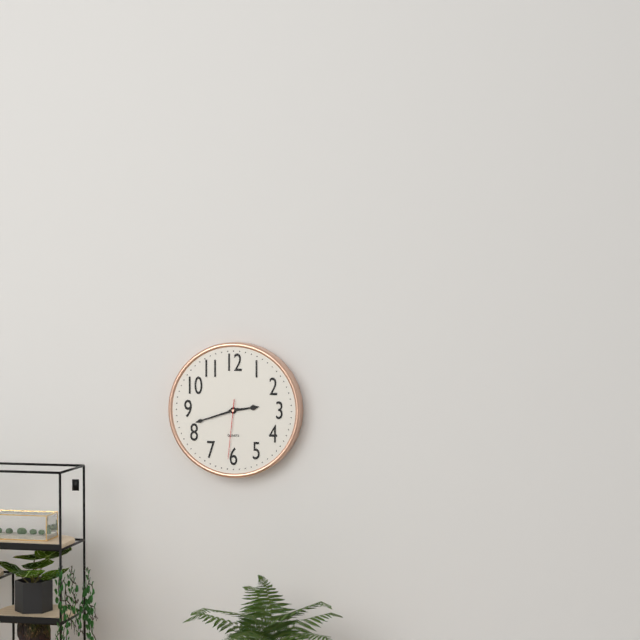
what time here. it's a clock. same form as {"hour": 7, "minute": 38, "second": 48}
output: {"hour": 2, "minute": 42, "second": 31}
